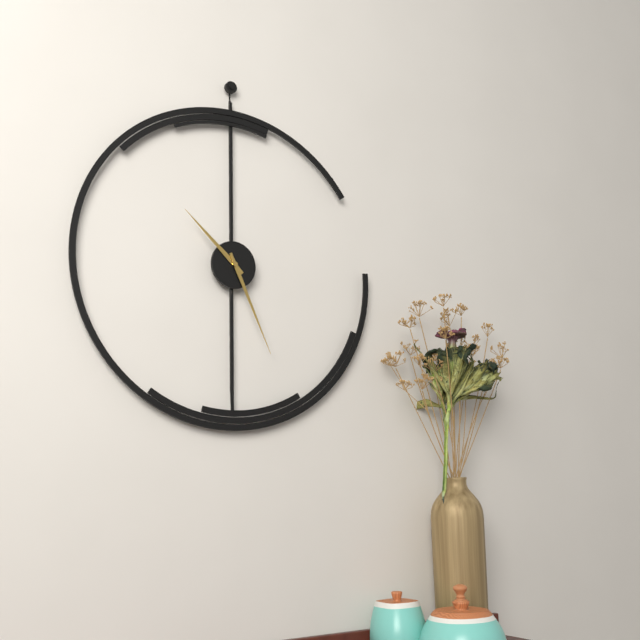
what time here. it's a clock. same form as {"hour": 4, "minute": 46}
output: {"hour": 10, "minute": 26}
